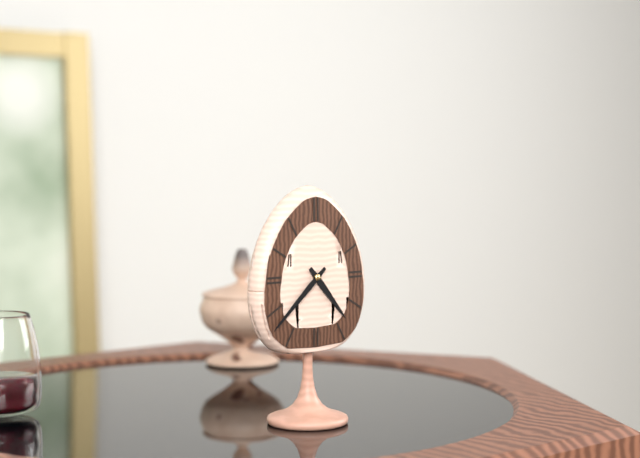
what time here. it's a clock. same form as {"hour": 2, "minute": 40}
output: {"hour": 4, "minute": 38}
